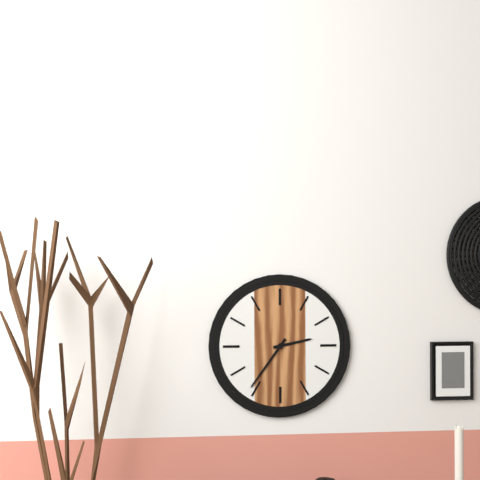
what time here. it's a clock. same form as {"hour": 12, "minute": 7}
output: {"hour": 2, "minute": 36}
